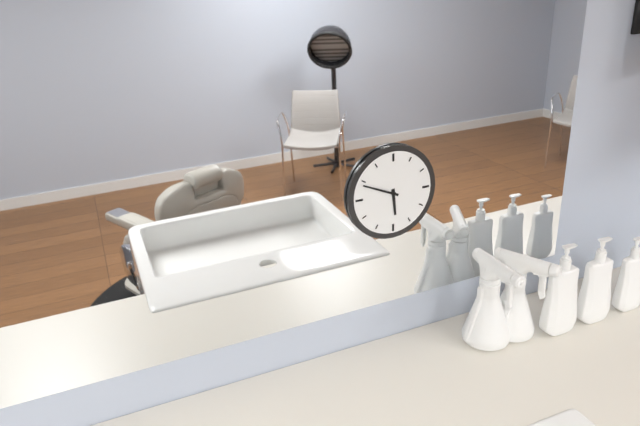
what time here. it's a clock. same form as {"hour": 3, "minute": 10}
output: {"hour": 5, "minute": 49}
